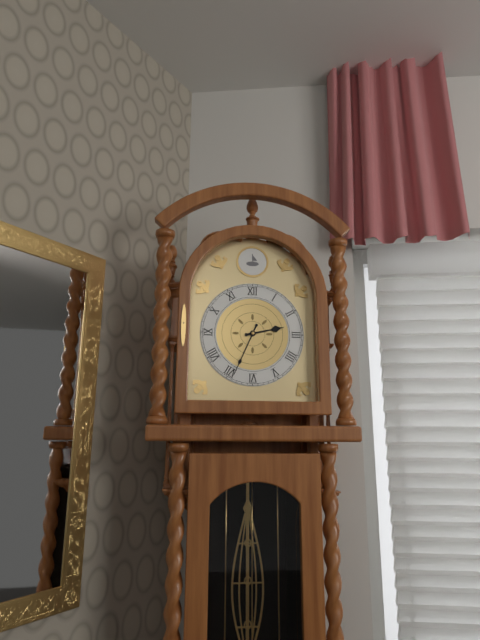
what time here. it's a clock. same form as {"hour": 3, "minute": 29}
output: {"hour": 2, "minute": 34}
